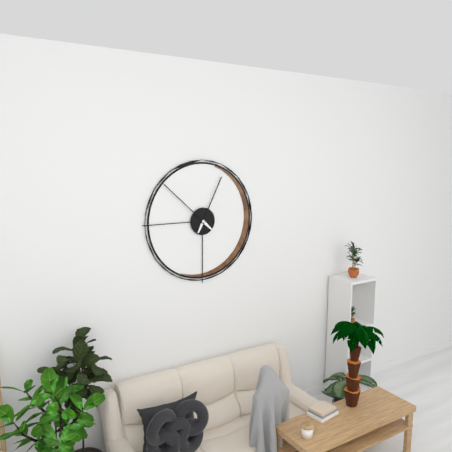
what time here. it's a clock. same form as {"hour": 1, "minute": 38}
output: {"hour": 12, "minute": 52}
